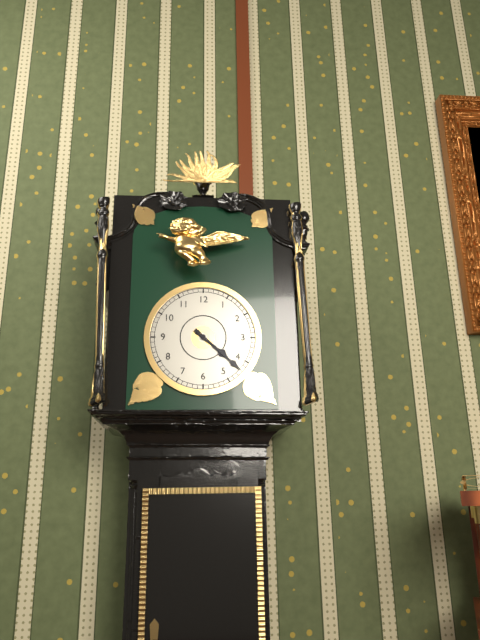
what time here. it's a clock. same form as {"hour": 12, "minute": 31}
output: {"hour": 4, "minute": 22}
